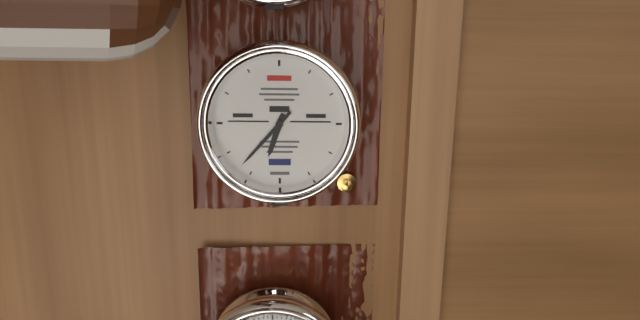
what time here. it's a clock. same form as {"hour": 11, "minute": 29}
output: {"hour": 6, "minute": 37}
